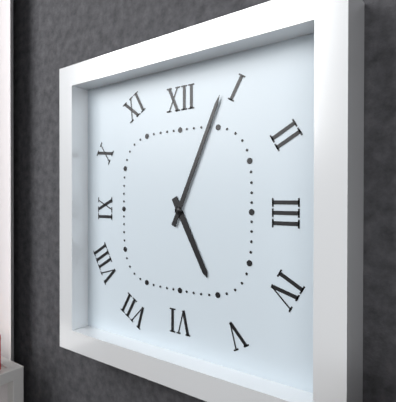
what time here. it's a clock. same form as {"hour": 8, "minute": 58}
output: {"hour": 5, "minute": 4}
